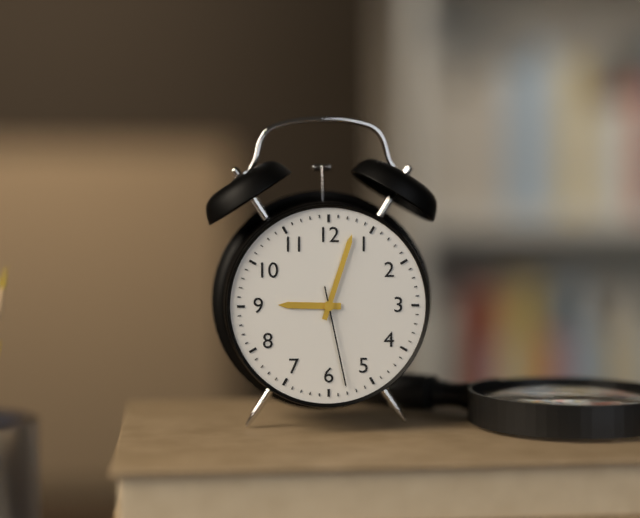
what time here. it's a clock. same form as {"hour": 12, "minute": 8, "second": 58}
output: {"hour": 9, "minute": 3, "second": 28}
